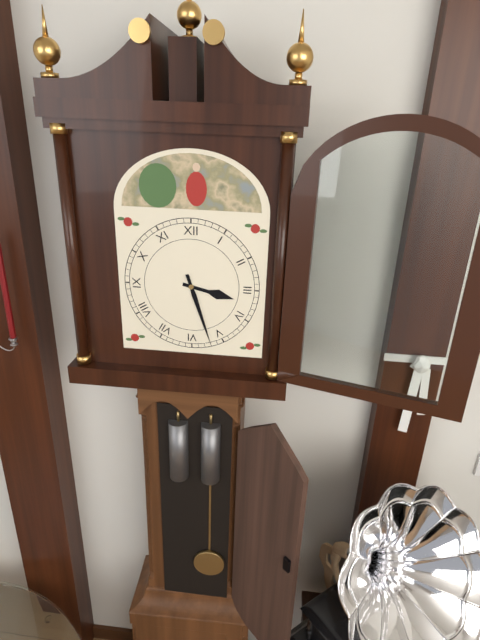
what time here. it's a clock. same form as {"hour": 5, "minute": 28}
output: {"hour": 3, "minute": 27}
